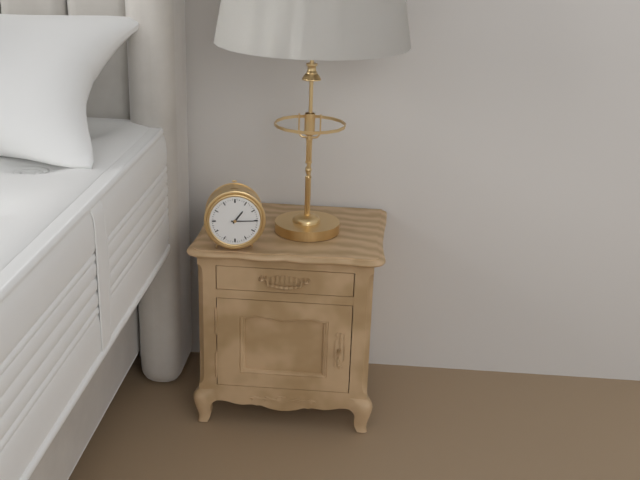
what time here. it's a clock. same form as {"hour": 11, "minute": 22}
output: {"hour": 1, "minute": 15}
